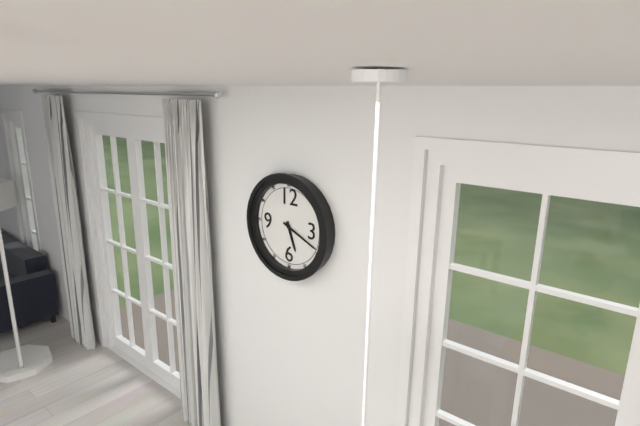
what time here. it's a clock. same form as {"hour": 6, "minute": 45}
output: {"hour": 5, "minute": 19}
